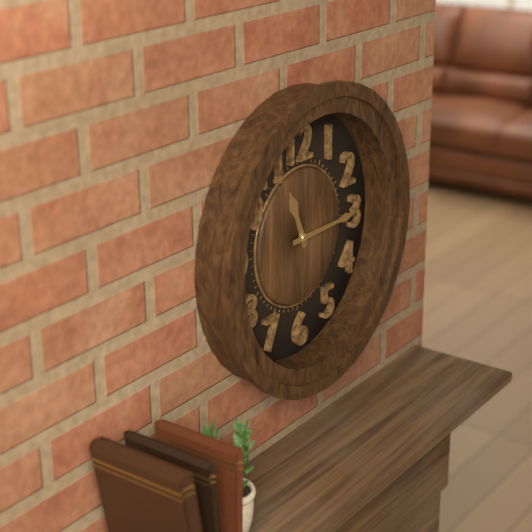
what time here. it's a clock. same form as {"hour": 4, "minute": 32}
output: {"hour": 11, "minute": 15}
